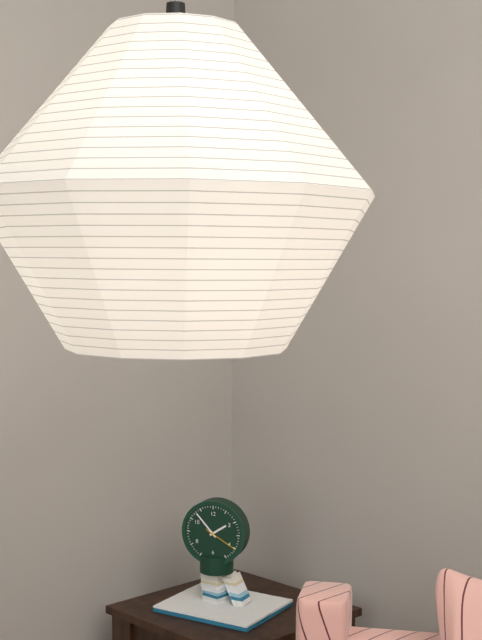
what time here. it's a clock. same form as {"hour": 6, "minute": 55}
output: {"hour": 1, "minute": 53}
